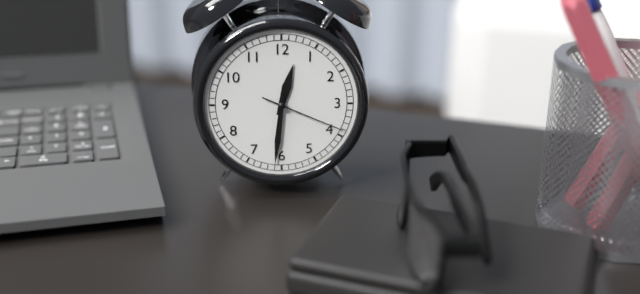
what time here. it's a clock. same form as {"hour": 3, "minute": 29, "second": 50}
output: {"hour": 12, "minute": 31, "second": 19}
